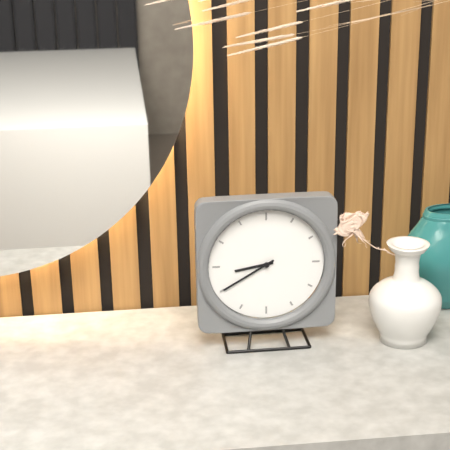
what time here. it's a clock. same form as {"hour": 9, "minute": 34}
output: {"hour": 8, "minute": 40}
